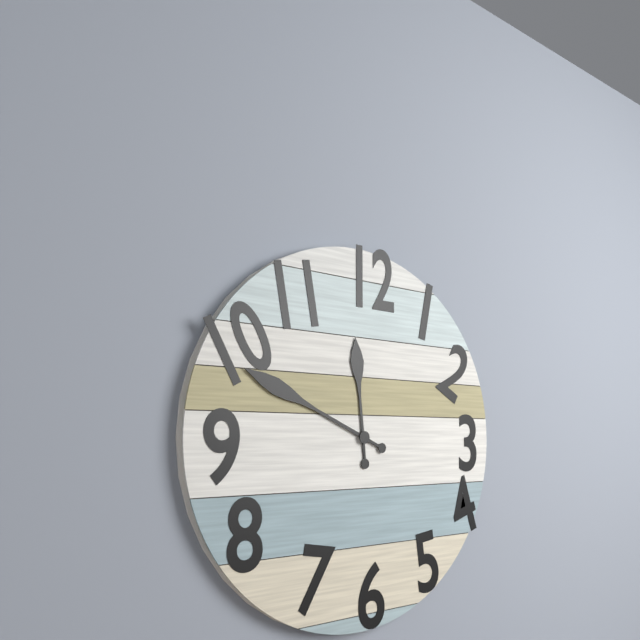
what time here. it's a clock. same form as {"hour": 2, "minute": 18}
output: {"hour": 11, "minute": 49}
